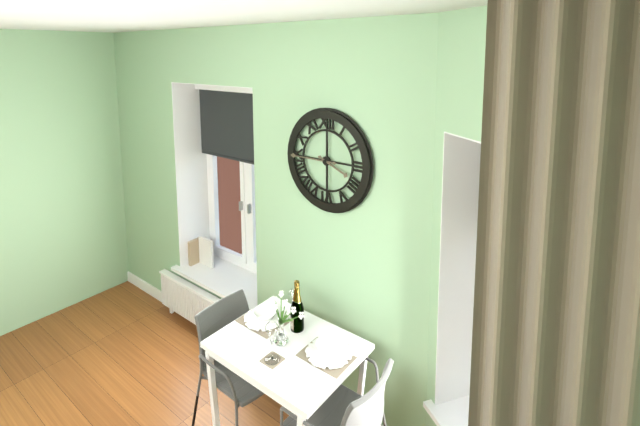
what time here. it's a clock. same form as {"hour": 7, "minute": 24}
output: {"hour": 3, "minute": 45}
